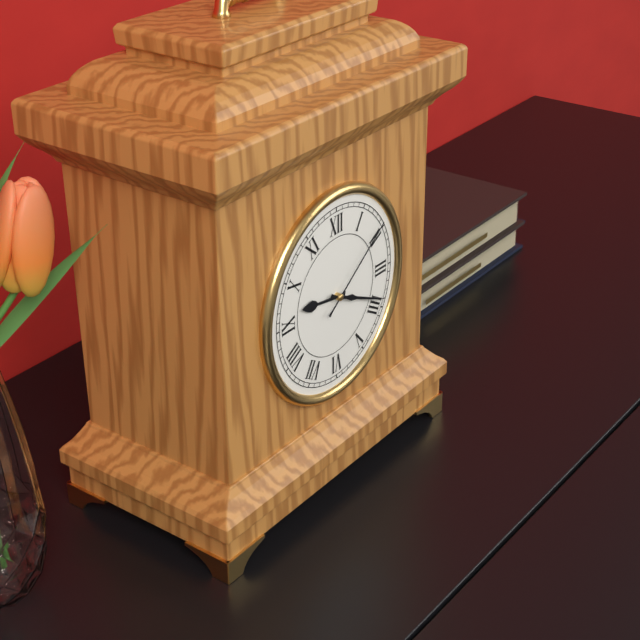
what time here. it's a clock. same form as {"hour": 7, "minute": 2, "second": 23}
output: {"hour": 9, "minute": 19, "second": 9}
